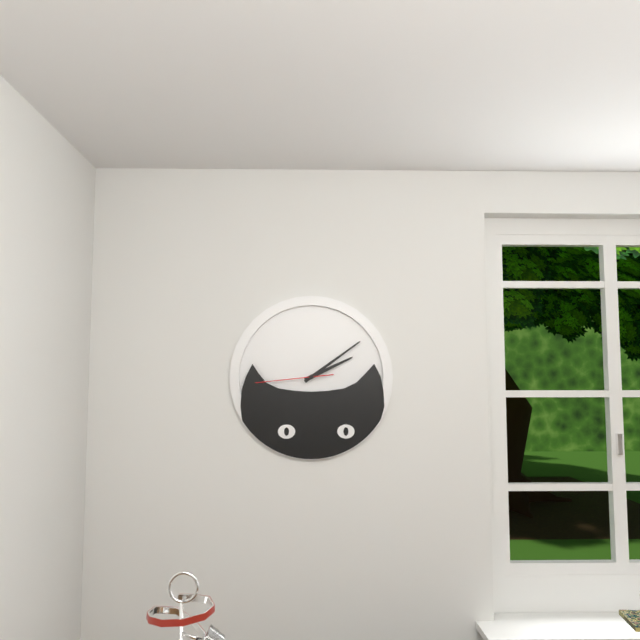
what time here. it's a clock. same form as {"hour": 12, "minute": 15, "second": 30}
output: {"hour": 2, "minute": 9, "second": 44}
